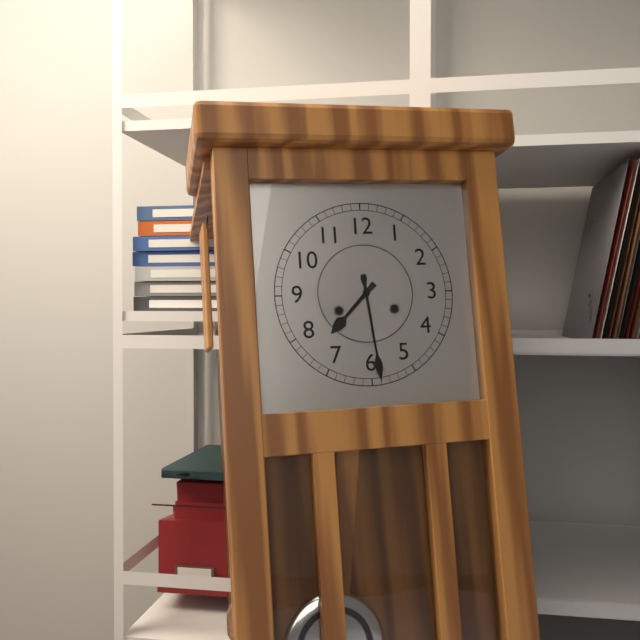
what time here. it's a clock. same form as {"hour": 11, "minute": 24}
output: {"hour": 7, "minute": 29}
